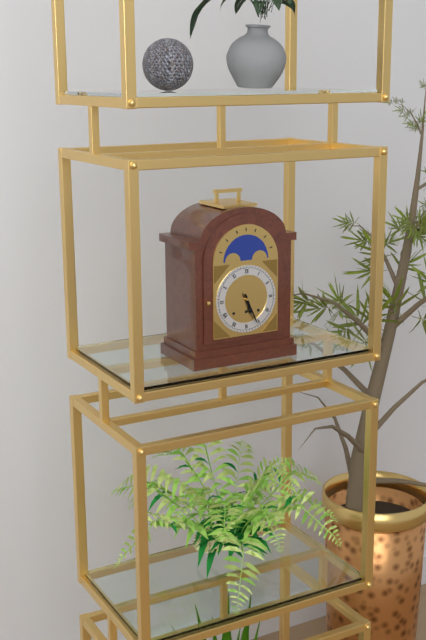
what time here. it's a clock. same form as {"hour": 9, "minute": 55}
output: {"hour": 5, "minute": 26}
